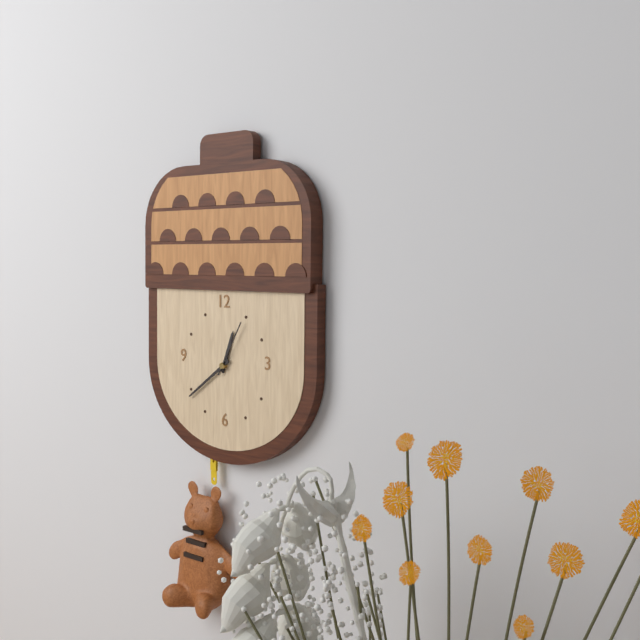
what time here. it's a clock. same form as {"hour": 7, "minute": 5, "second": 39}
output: {"hour": 12, "minute": 39, "second": 5}
